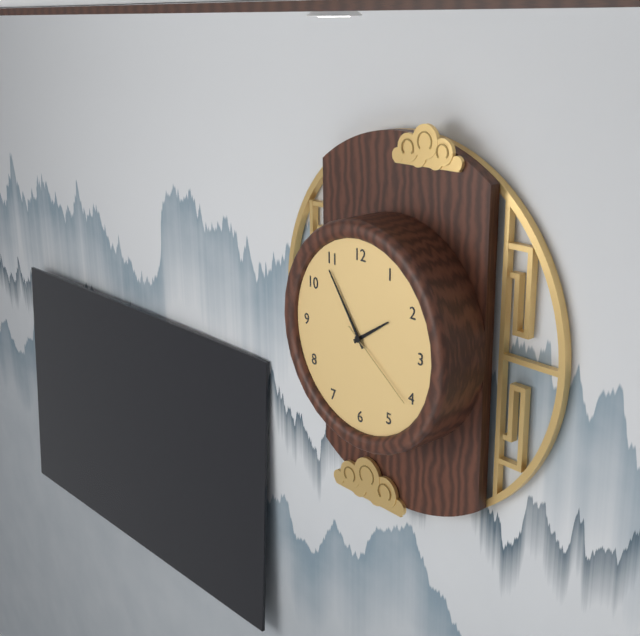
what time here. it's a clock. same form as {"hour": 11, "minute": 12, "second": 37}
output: {"hour": 1, "minute": 54, "second": 21}
